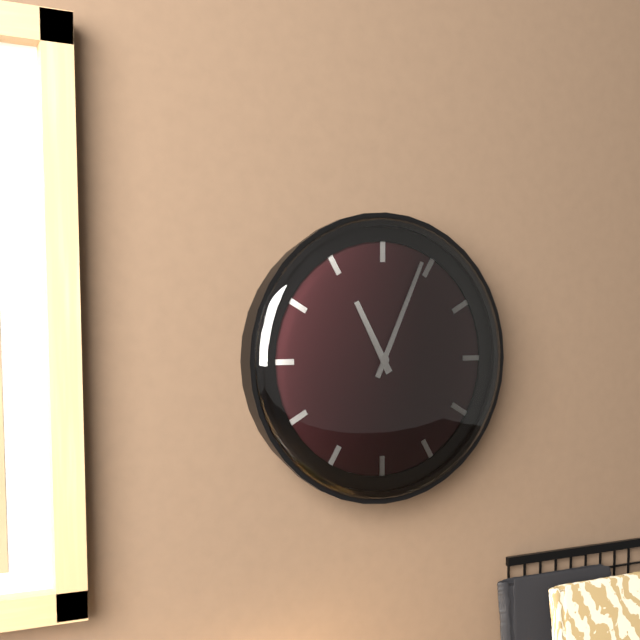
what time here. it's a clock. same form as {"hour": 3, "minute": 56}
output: {"hour": 11, "minute": 4}
